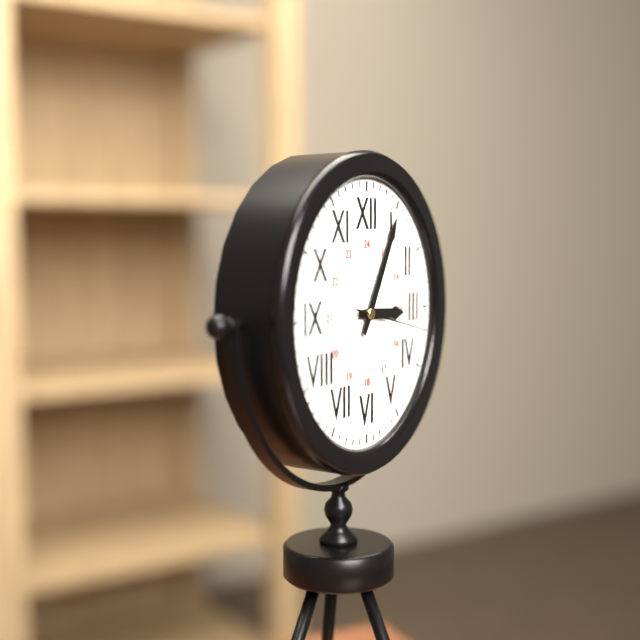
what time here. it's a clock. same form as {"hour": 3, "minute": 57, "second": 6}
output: {"hour": 3, "minute": 5, "second": 17}
